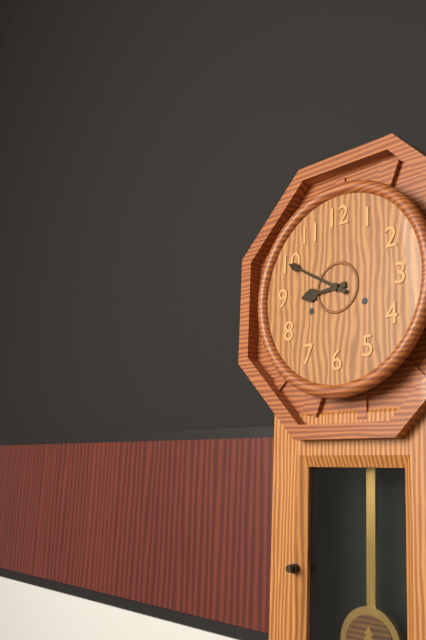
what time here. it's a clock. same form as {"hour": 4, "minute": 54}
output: {"hour": 8, "minute": 50}
